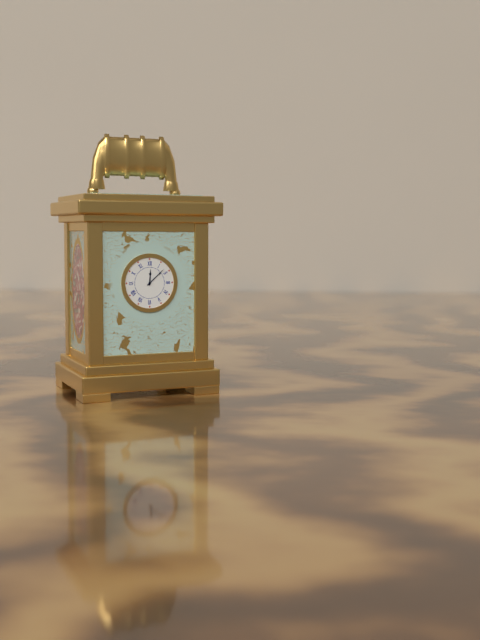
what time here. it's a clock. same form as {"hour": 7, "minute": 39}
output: {"hour": 12, "minute": 8}
